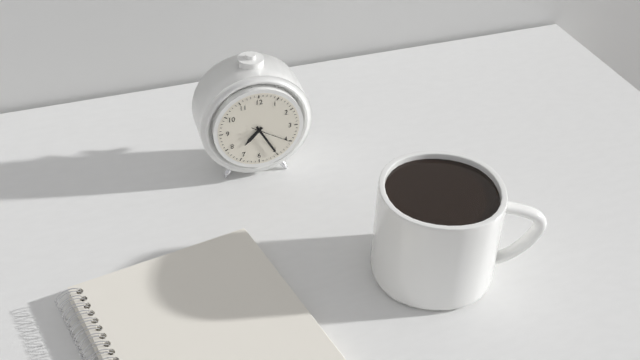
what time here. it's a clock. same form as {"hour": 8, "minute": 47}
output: {"hour": 7, "minute": 25}
